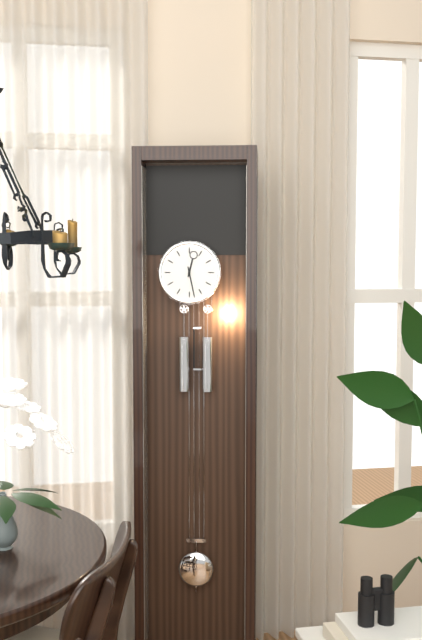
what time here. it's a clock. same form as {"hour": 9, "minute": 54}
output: {"hour": 12, "minute": 28}
